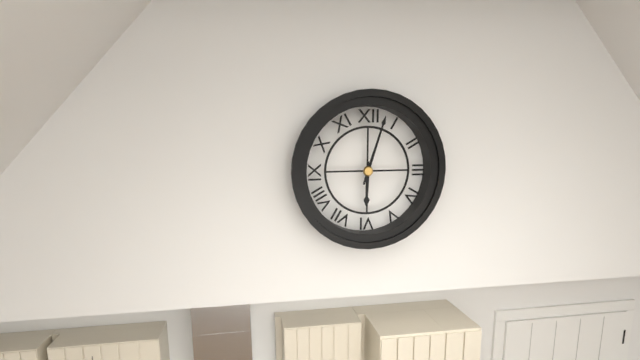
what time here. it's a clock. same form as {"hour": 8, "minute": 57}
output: {"hour": 6, "minute": 3}
